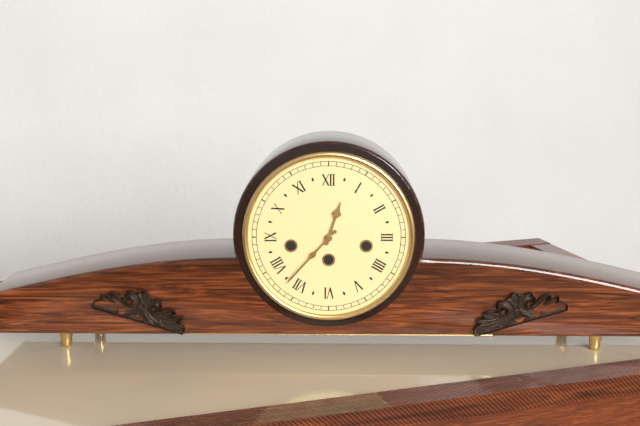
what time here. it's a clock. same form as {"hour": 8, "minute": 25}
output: {"hour": 12, "minute": 37}
